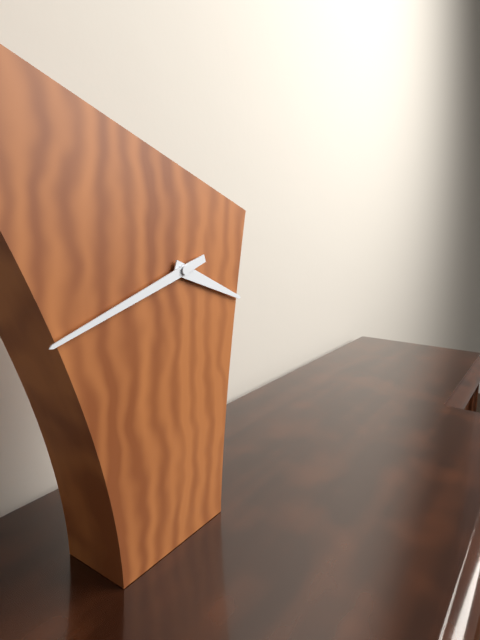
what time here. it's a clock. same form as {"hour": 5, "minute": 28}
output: {"hour": 3, "minute": 42}
